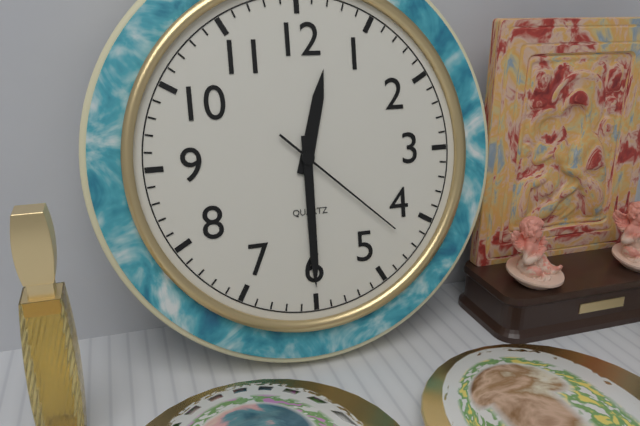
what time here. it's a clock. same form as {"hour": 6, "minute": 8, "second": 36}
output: {"hour": 12, "minute": 30, "second": 22}
